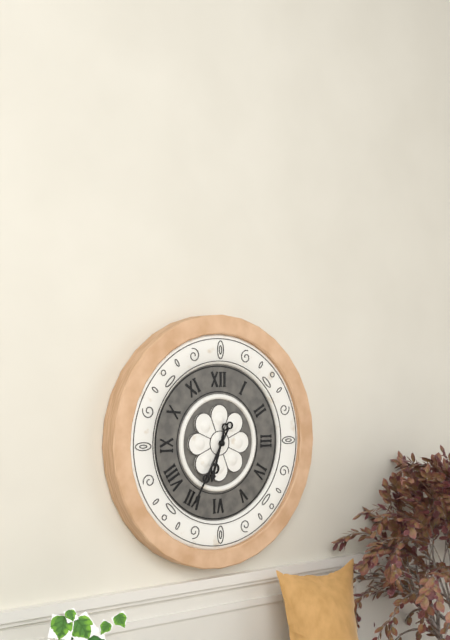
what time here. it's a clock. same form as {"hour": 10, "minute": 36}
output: {"hour": 6, "minute": 35}
